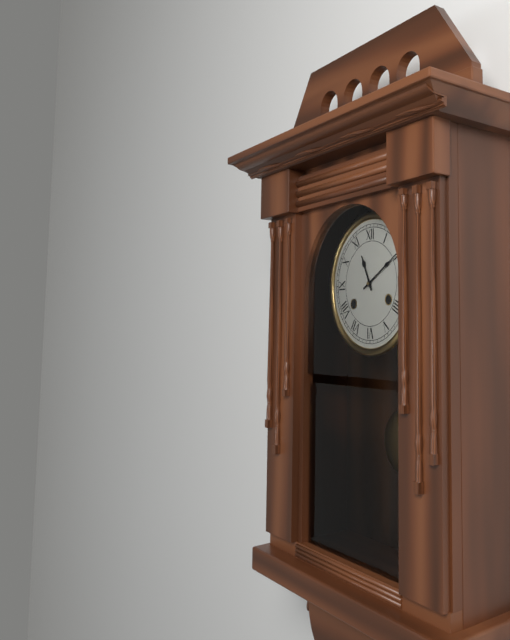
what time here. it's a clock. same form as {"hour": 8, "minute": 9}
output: {"hour": 11, "minute": 10}
